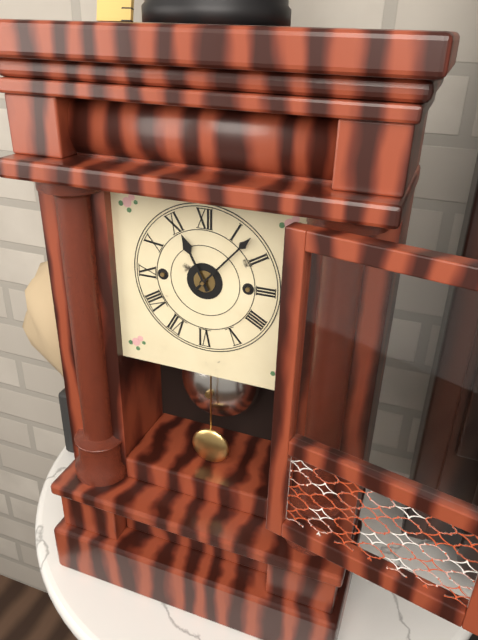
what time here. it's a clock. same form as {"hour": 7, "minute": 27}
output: {"hour": 11, "minute": 7}
